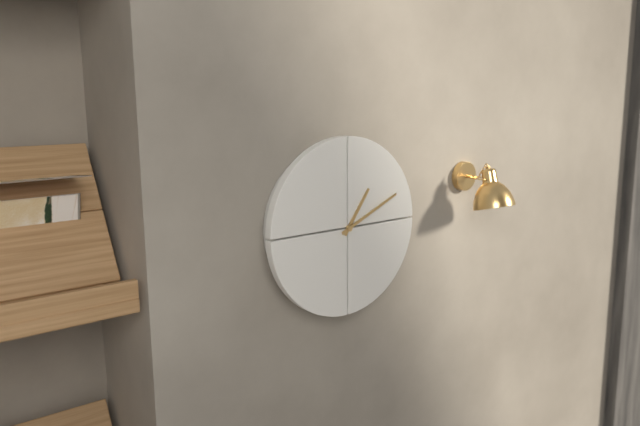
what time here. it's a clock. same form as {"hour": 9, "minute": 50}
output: {"hour": 1, "minute": 11}
